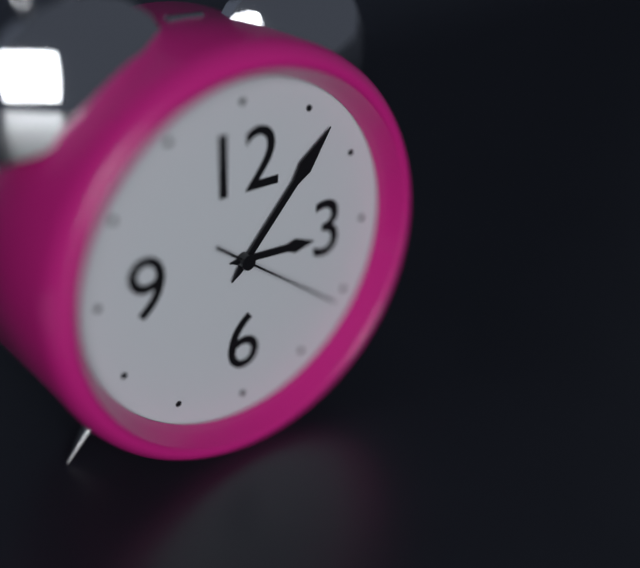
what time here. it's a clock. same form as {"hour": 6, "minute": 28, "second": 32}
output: {"hour": 3, "minute": 7, "second": 21}
